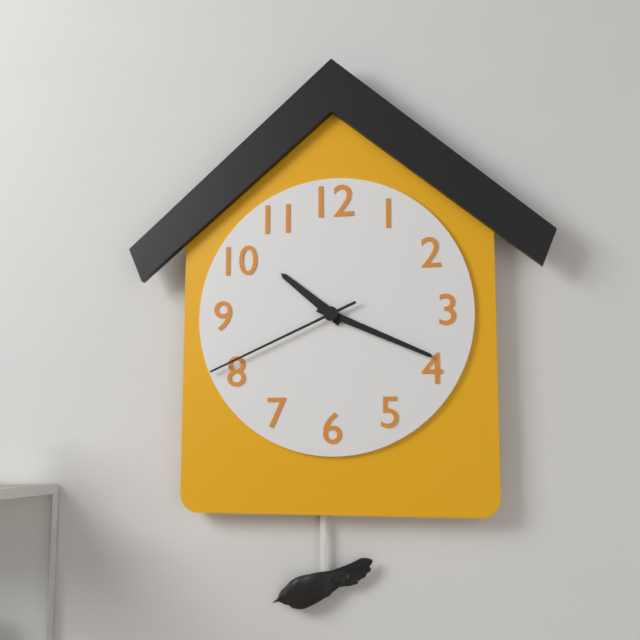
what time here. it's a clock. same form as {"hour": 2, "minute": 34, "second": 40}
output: {"hour": 10, "minute": 19, "second": 41}
